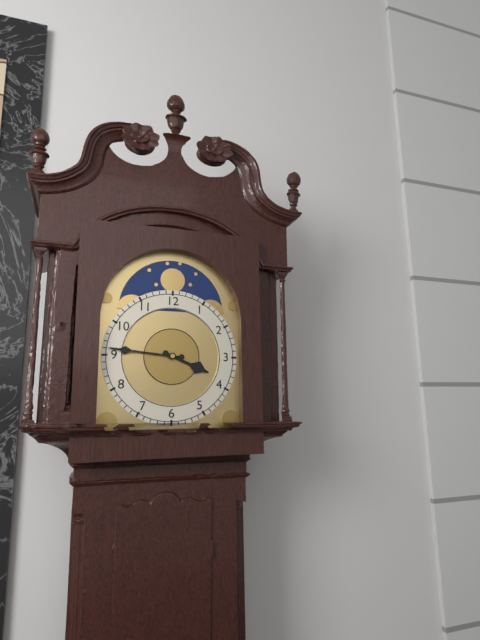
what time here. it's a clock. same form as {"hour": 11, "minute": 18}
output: {"hour": 3, "minute": 46}
